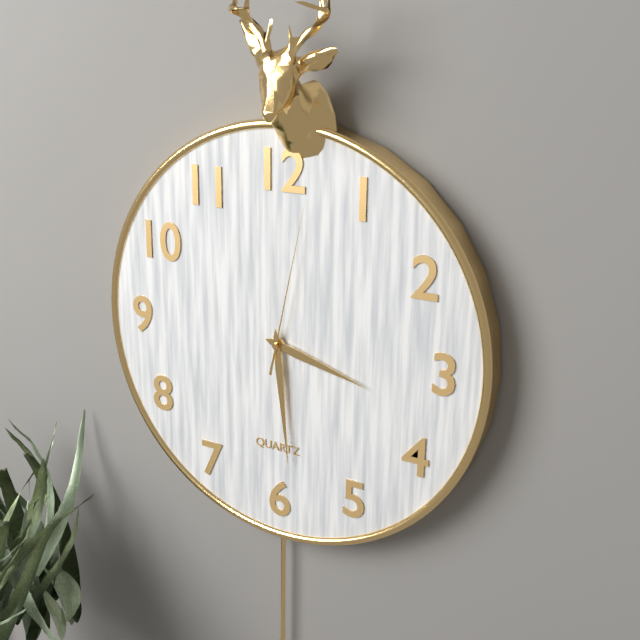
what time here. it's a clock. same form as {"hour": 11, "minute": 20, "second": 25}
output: {"hour": 3, "minute": 29, "second": 2}
